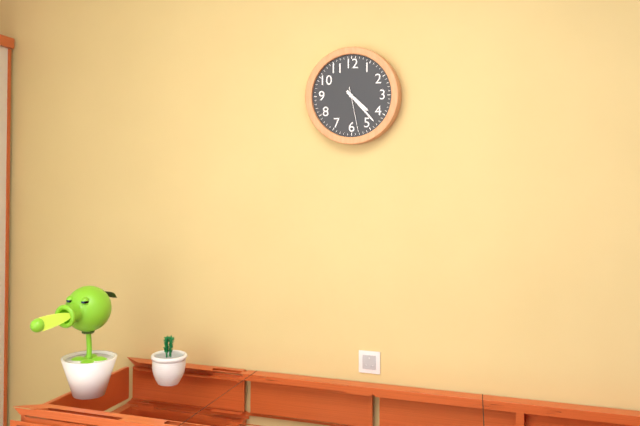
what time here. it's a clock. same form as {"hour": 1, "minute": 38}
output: {"hour": 4, "minute": 23}
